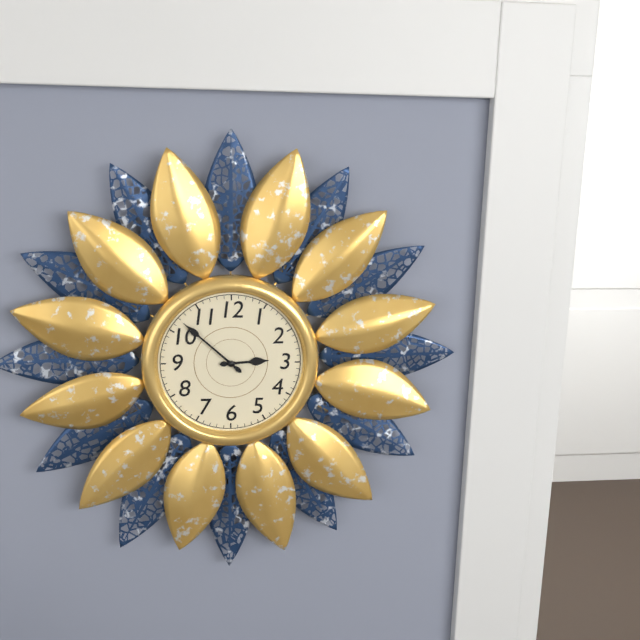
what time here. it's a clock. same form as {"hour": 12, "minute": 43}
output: {"hour": 2, "minute": 52}
